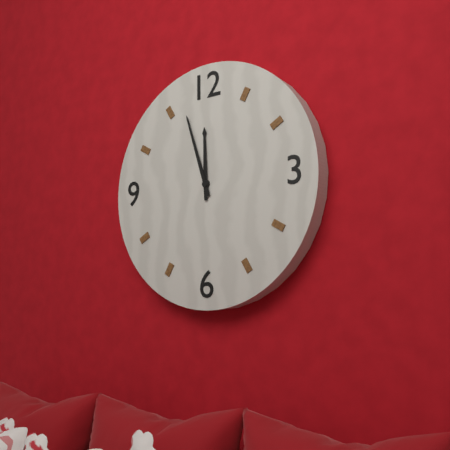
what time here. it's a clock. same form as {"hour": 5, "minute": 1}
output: {"hour": 11, "minute": 57}
